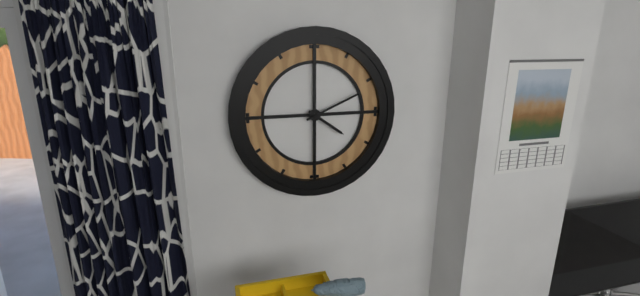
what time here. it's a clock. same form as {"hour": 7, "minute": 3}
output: {"hour": 4, "minute": 11}
